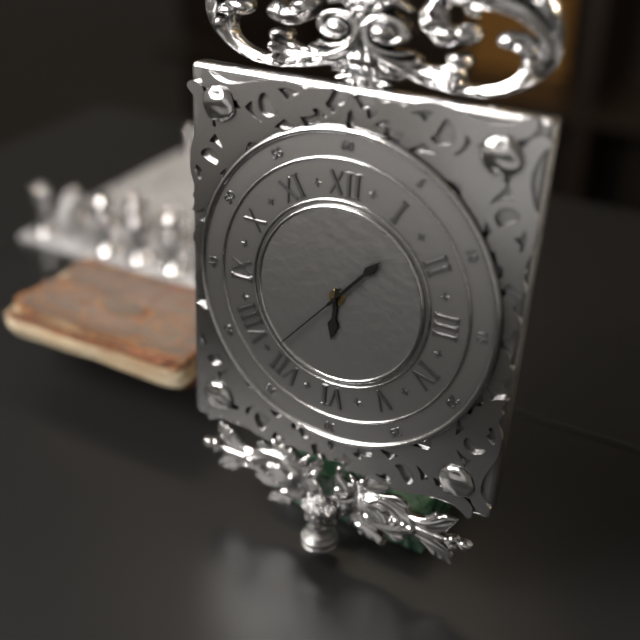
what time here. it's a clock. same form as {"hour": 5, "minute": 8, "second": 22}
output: {"hour": 6, "minute": 7, "second": 37}
